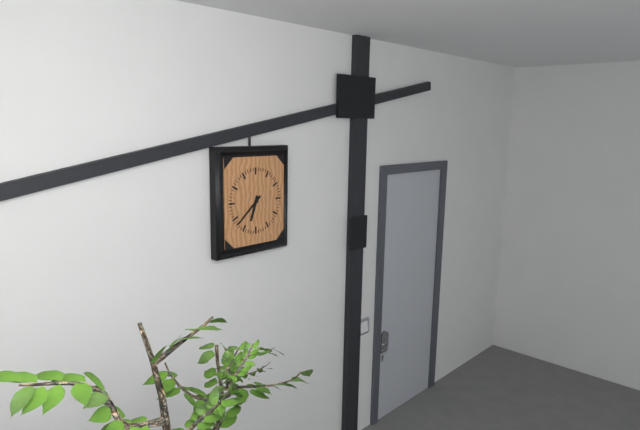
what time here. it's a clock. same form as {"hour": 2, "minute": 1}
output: {"hour": 6, "minute": 38}
